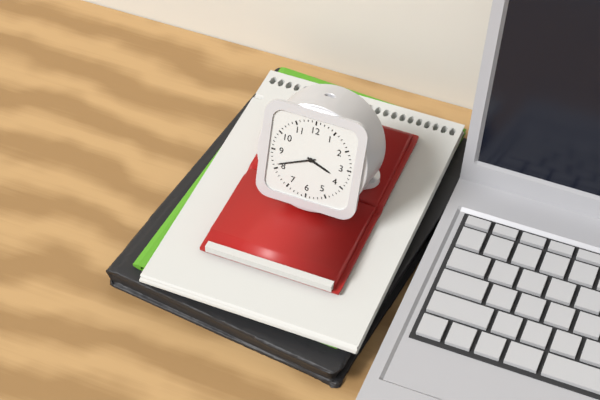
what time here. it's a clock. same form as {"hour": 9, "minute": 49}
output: {"hour": 3, "minute": 41}
